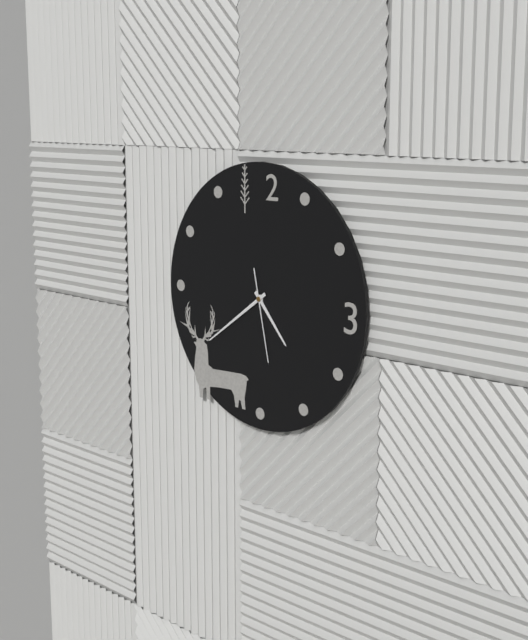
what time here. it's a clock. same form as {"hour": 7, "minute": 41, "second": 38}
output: {"hour": 4, "minute": 39, "second": 28}
